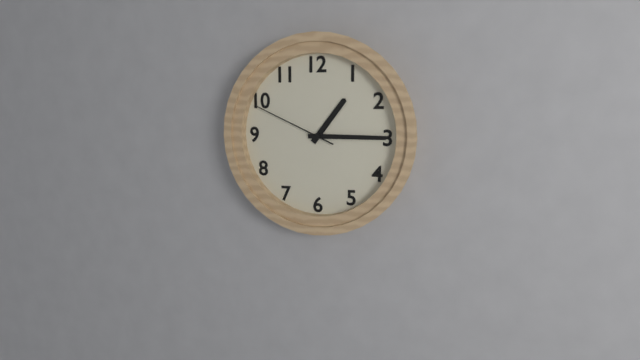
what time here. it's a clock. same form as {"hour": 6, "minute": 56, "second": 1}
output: {"hour": 1, "minute": 15, "second": 49}
